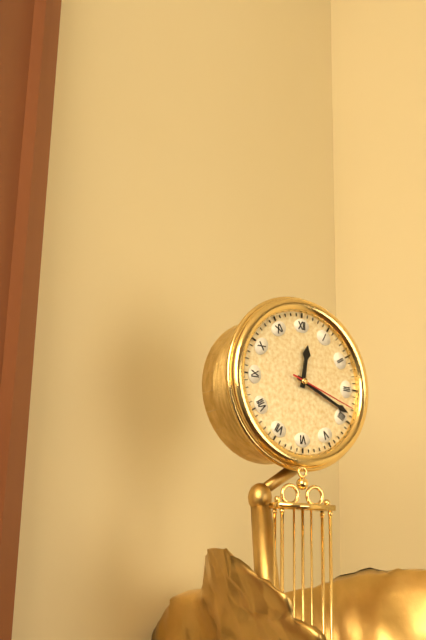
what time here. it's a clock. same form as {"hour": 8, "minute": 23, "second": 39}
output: {"hour": 12, "minute": 19, "second": 18}
